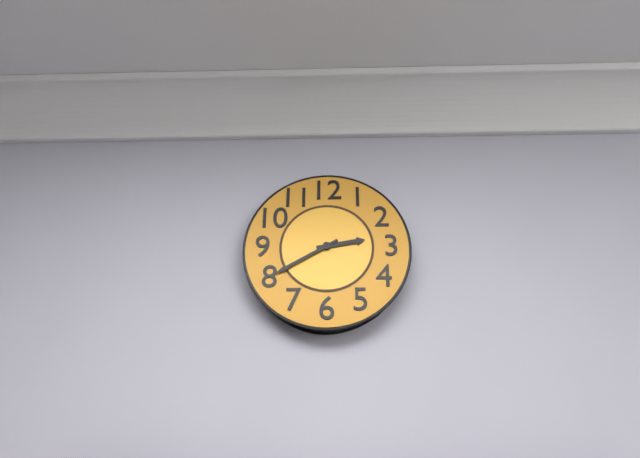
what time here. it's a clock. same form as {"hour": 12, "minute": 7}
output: {"hour": 2, "minute": 40}
